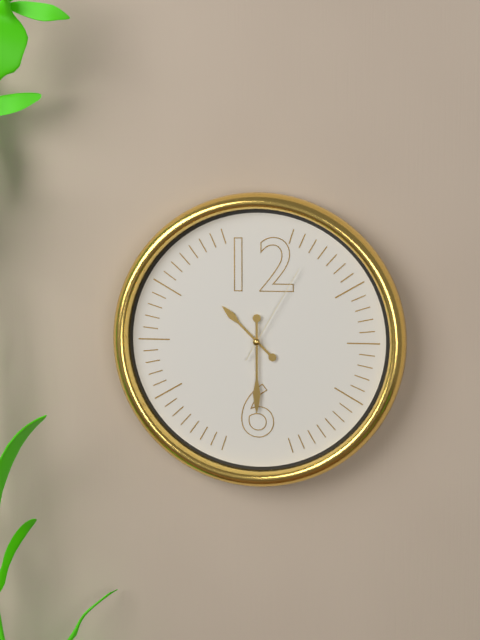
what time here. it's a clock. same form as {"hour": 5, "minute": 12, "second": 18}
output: {"hour": 10, "minute": 30, "second": 5}
